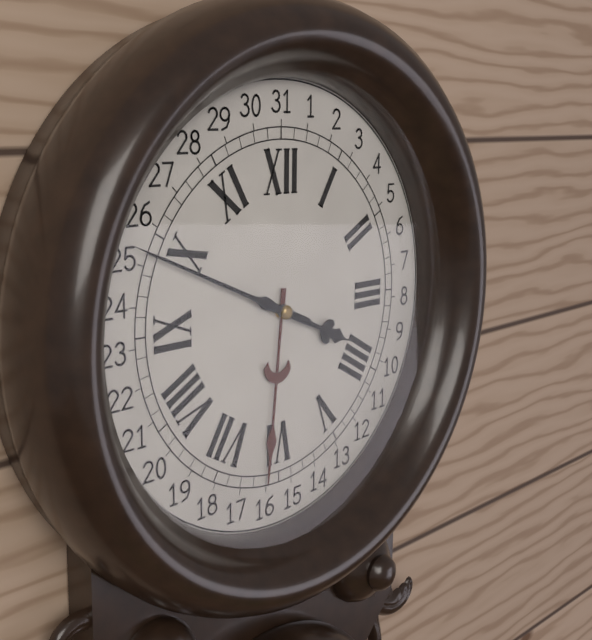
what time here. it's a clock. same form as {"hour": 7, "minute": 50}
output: {"hour": 3, "minute": 49}
